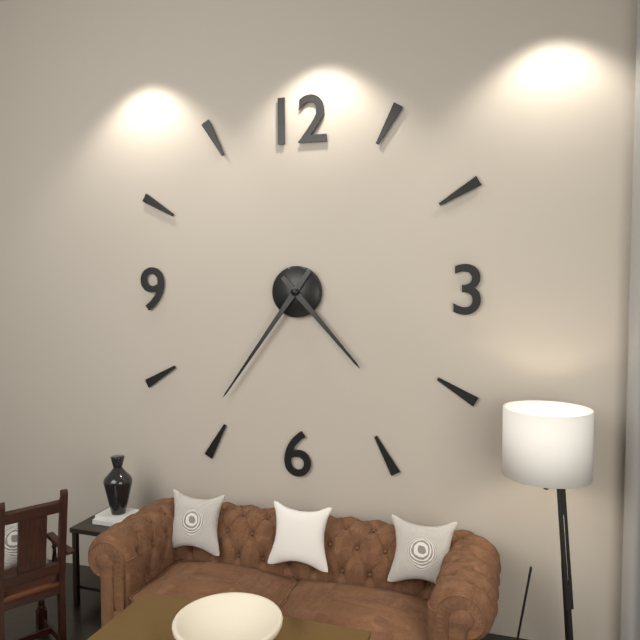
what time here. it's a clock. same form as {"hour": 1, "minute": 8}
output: {"hour": 4, "minute": 36}
